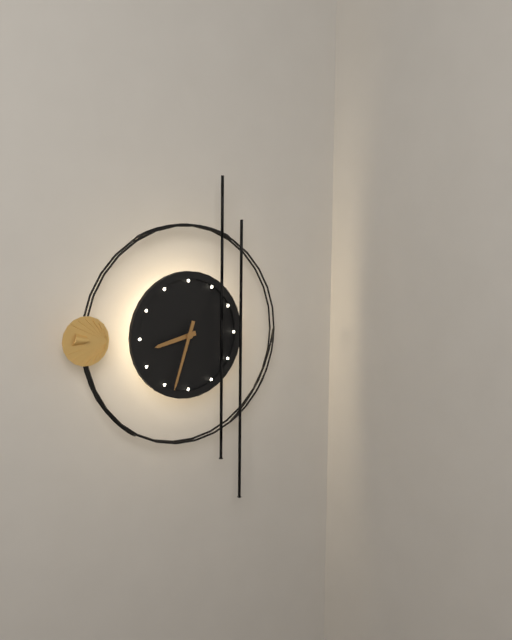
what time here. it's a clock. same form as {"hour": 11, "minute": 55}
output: {"hour": 8, "minute": 33}
